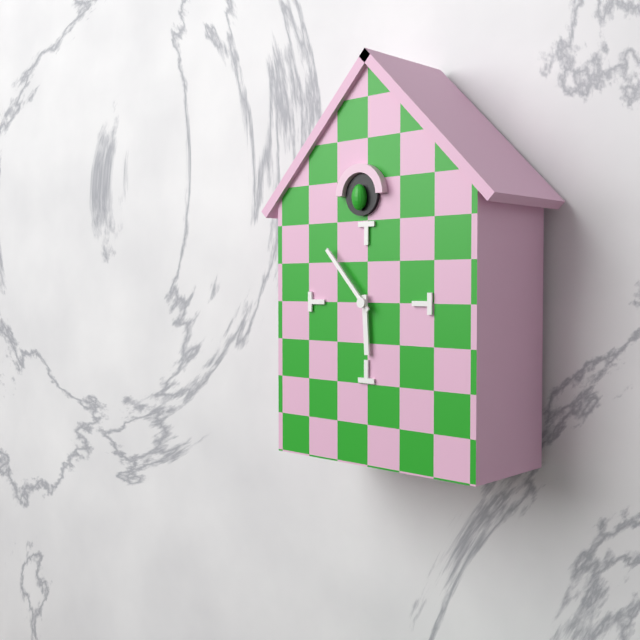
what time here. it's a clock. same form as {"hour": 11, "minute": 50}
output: {"hour": 5, "minute": 53}
